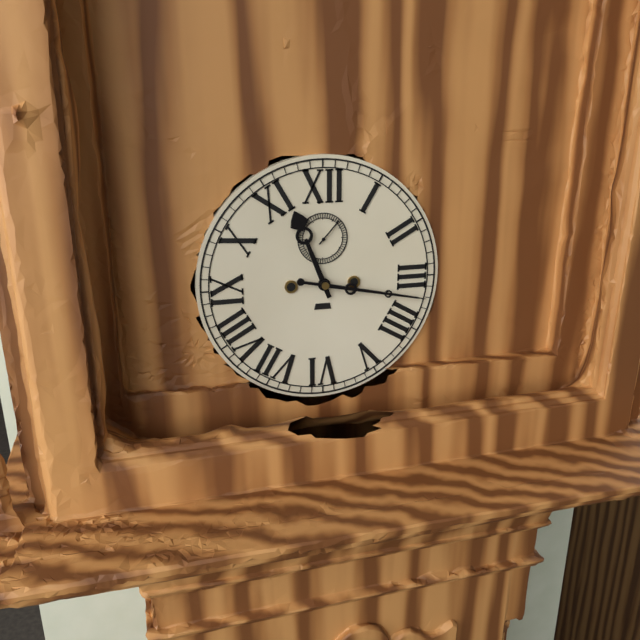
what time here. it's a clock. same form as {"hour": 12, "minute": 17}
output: {"hour": 11, "minute": 17}
